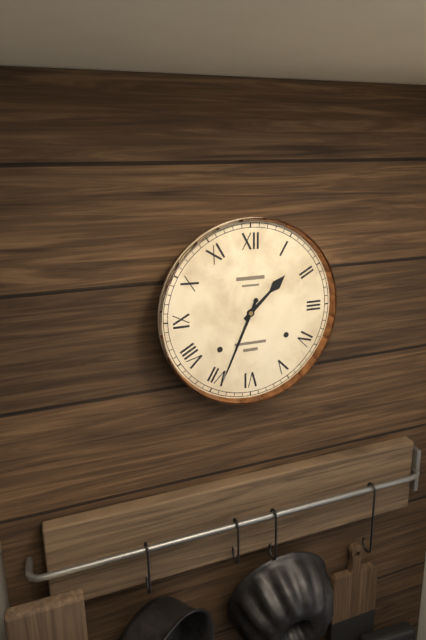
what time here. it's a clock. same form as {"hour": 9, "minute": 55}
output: {"hour": 1, "minute": 34}
